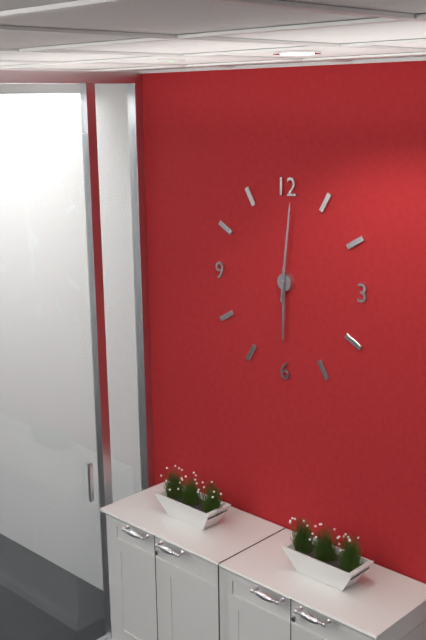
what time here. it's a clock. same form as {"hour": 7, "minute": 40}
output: {"hour": 6, "minute": 1}
